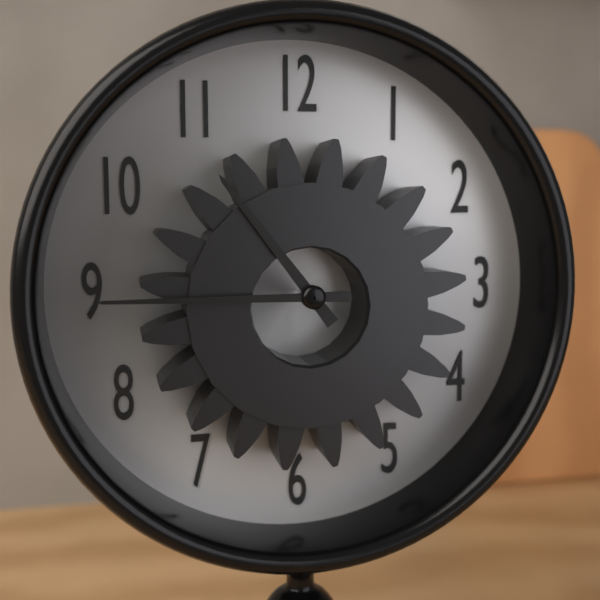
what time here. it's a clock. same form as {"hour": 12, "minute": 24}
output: {"hour": 10, "minute": 45}
